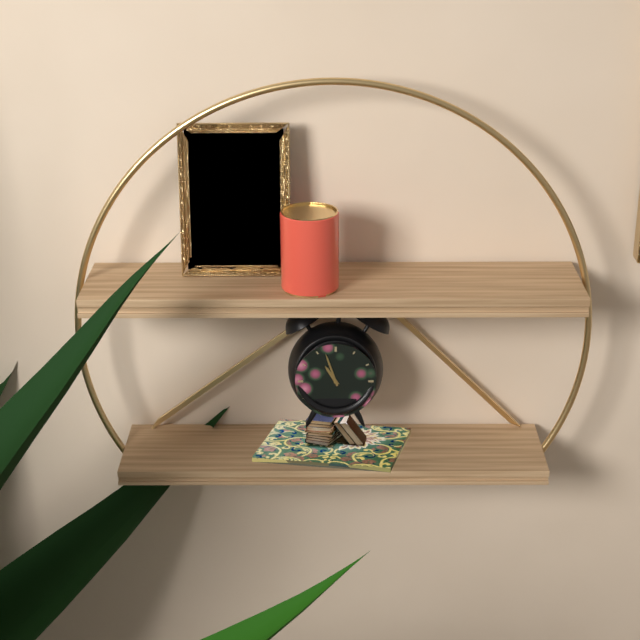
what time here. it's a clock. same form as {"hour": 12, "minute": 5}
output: {"hour": 10, "minute": 57}
